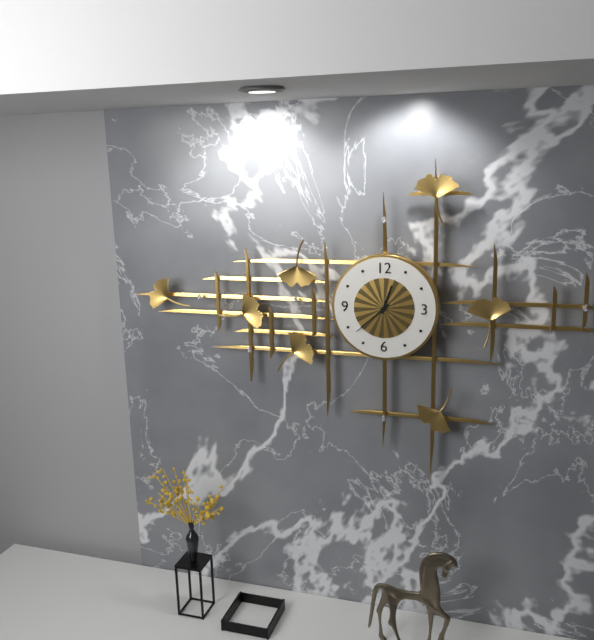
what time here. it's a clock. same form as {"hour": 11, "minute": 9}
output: {"hour": 12, "minute": 38}
